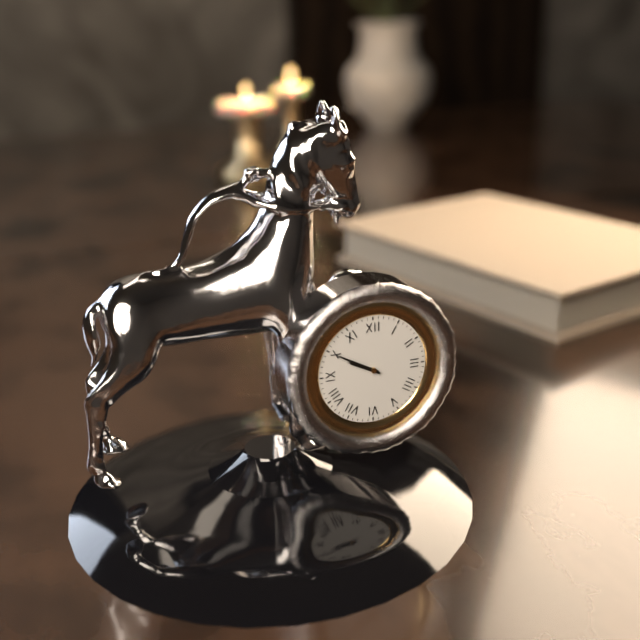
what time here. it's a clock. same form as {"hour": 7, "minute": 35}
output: {"hour": 9, "minute": 50}
